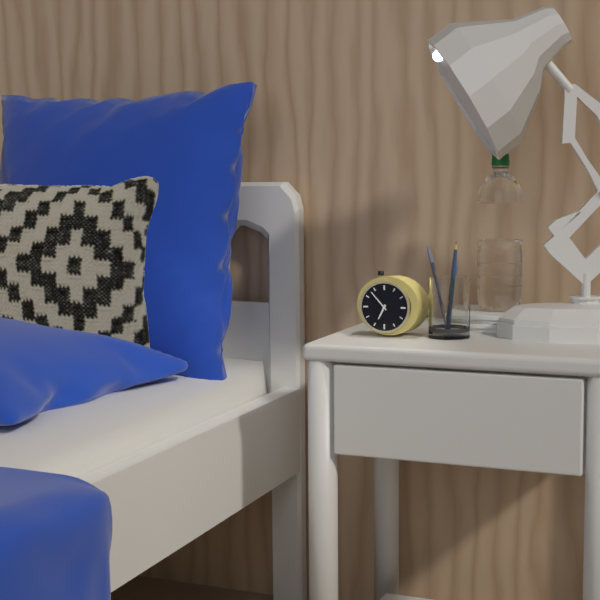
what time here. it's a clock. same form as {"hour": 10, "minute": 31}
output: {"hour": 6, "minute": 53}
